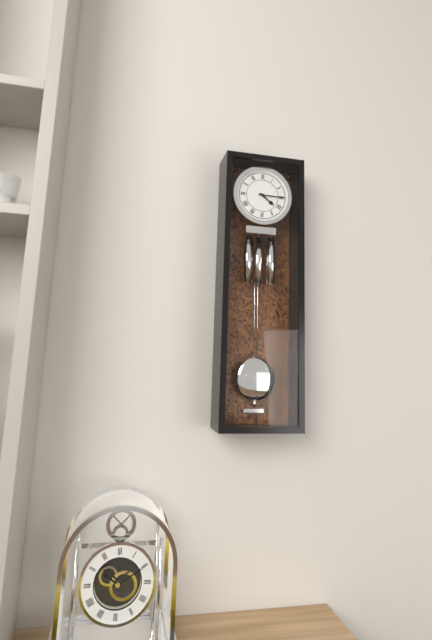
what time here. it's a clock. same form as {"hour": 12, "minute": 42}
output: {"hour": 4, "minute": 15}
